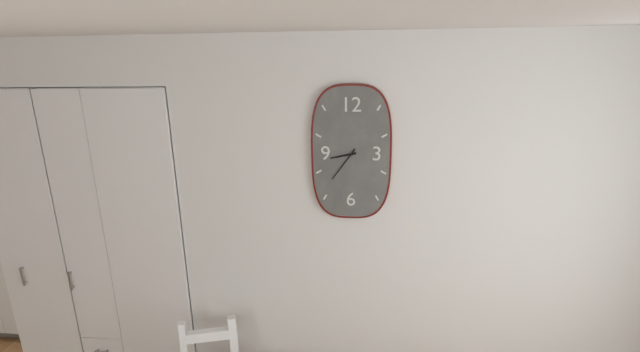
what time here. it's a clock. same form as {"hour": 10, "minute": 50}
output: {"hour": 8, "minute": 36}
